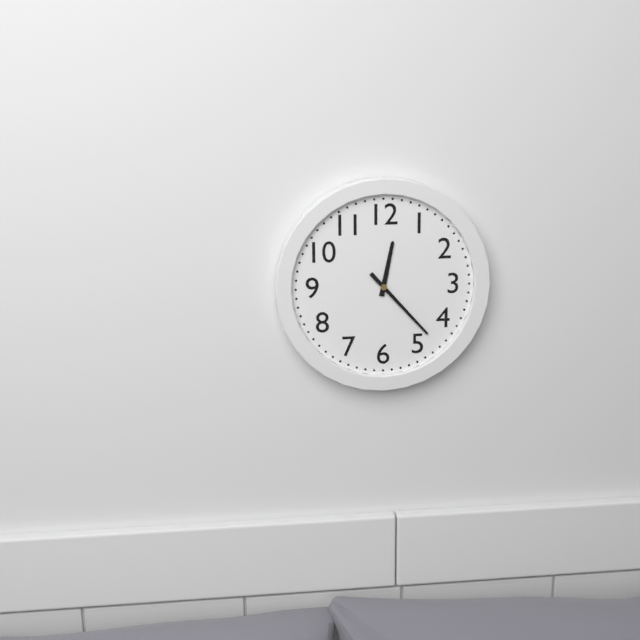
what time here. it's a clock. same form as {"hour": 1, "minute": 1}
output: {"hour": 12, "minute": 23}
